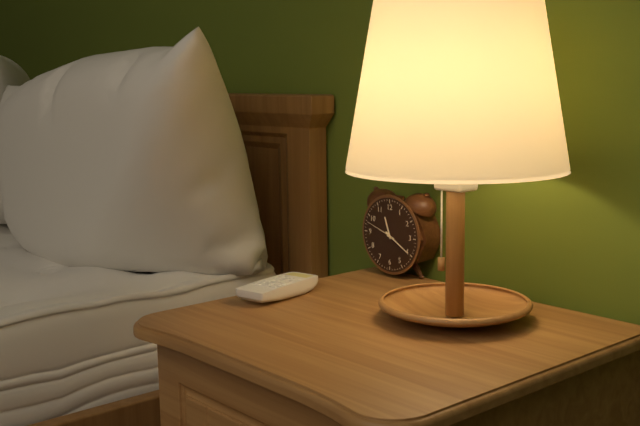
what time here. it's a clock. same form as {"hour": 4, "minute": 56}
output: {"hour": 11, "minute": 20}
